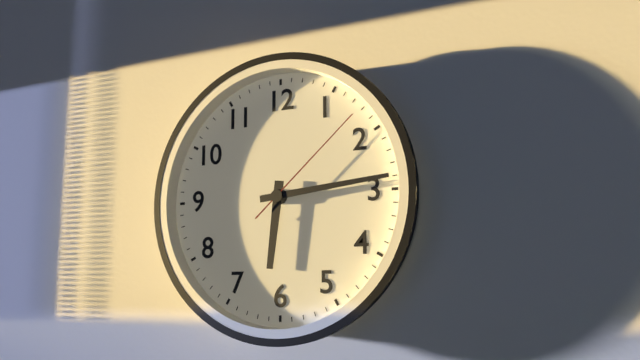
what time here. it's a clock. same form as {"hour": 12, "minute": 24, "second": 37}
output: {"hour": 6, "minute": 14, "second": 8}
